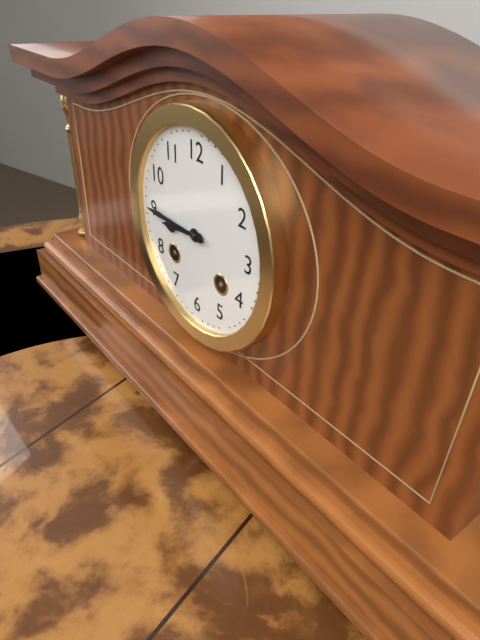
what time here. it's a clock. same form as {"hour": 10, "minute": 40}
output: {"hour": 8, "minute": 45}
